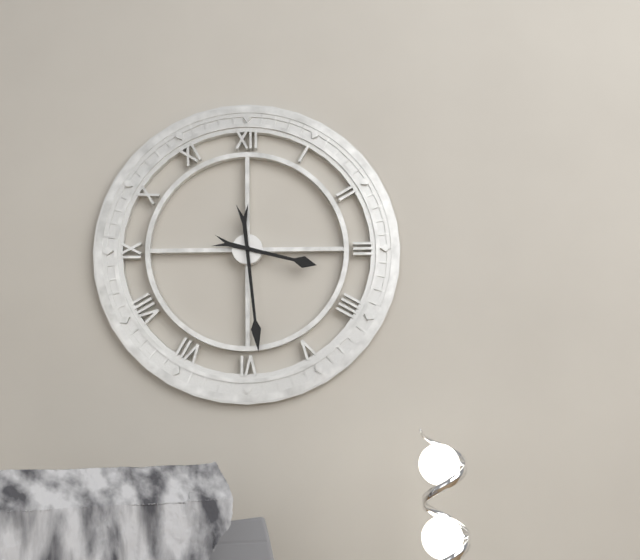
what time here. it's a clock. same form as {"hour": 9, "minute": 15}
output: {"hour": 3, "minute": 29}
